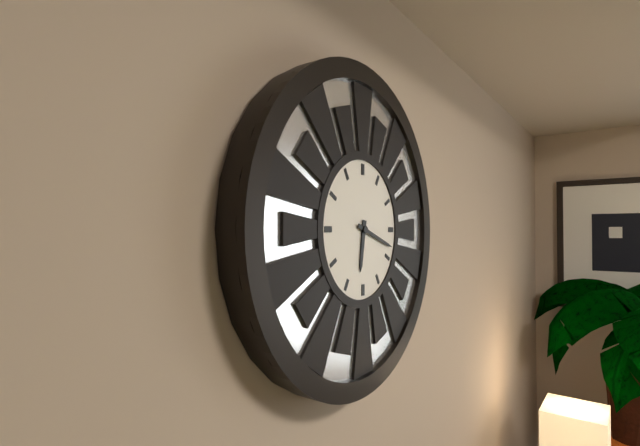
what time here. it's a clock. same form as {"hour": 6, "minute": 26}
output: {"hour": 6, "minute": 18}
